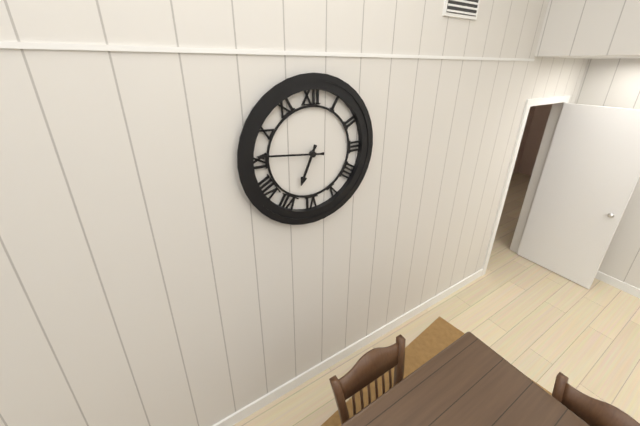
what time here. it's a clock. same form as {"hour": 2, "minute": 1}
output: {"hour": 6, "minute": 46}
